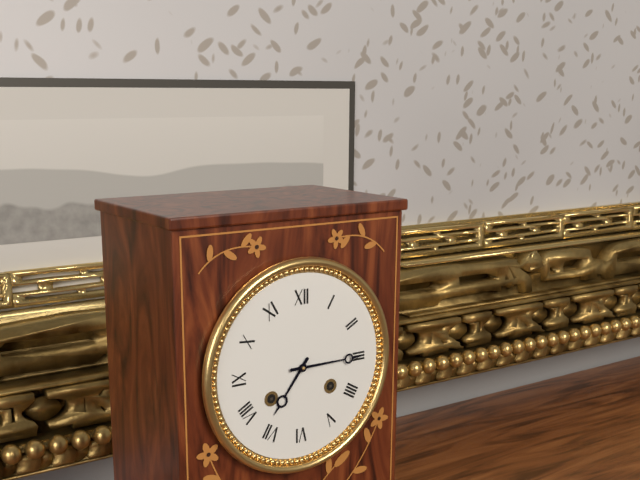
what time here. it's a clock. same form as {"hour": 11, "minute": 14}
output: {"hour": 7, "minute": 15}
